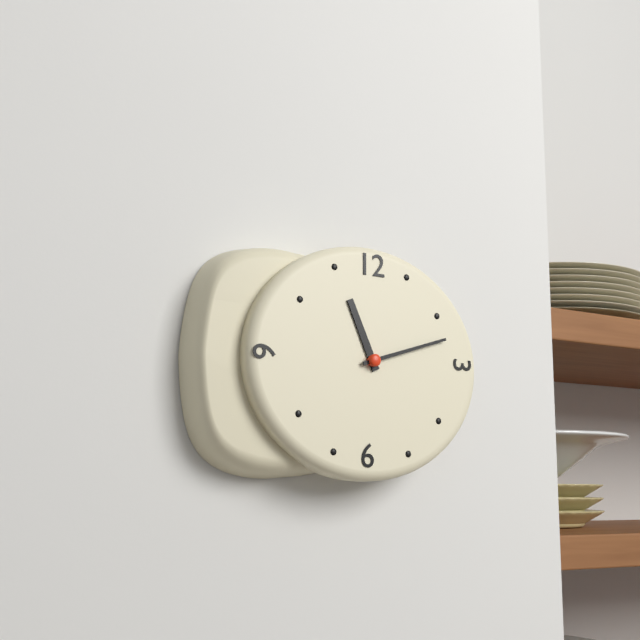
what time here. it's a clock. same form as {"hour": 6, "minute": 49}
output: {"hour": 11, "minute": 12}
